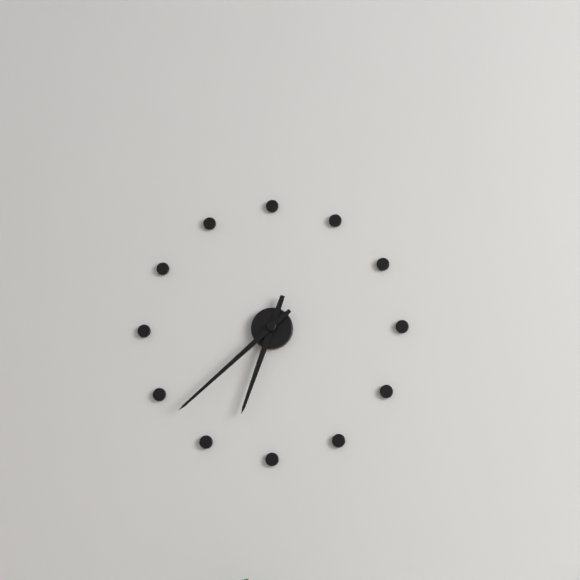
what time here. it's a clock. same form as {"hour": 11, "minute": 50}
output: {"hour": 6, "minute": 38}
